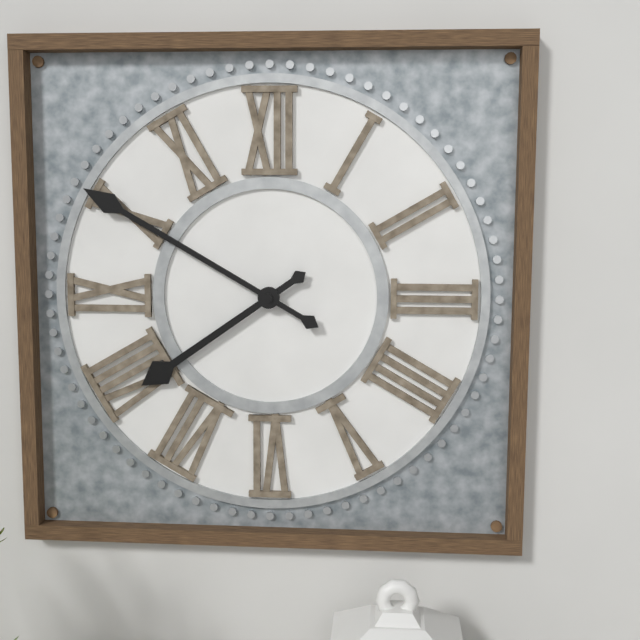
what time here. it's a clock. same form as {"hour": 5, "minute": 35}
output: {"hour": 7, "minute": 50}
